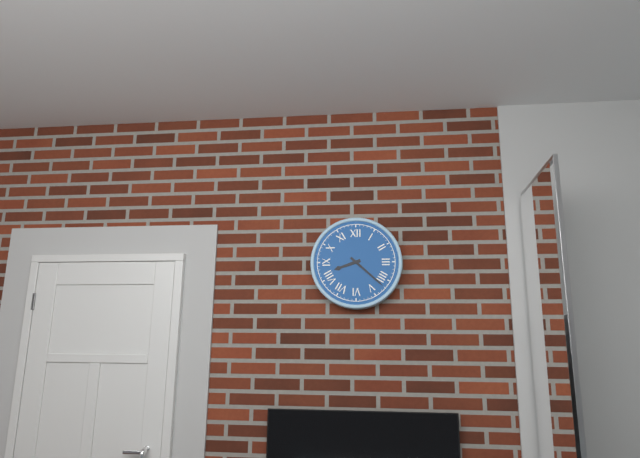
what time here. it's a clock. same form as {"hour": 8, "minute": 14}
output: {"hour": 8, "minute": 22}
